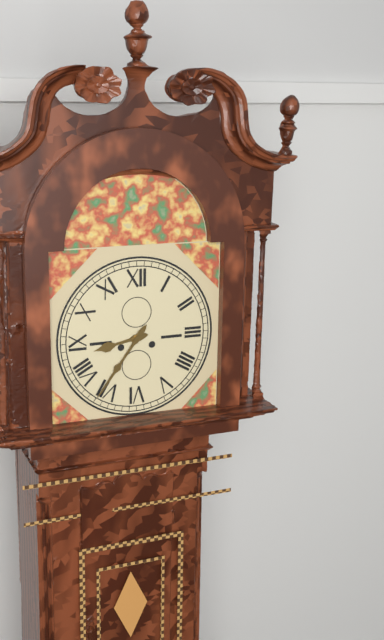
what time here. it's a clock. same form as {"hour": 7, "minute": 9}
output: {"hour": 8, "minute": 36}
